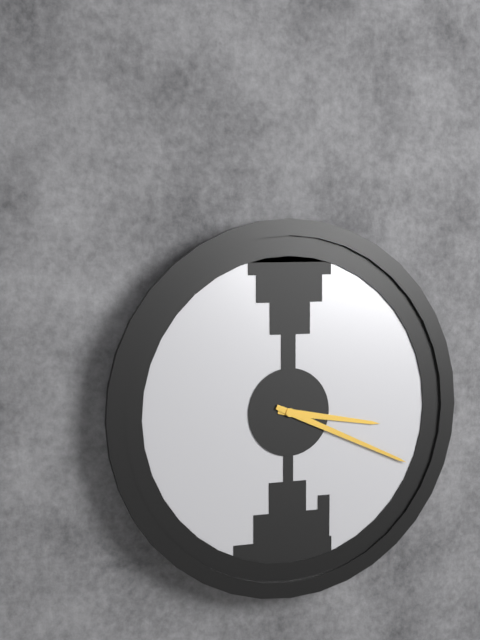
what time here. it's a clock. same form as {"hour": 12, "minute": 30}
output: {"hour": 3, "minute": 19}
